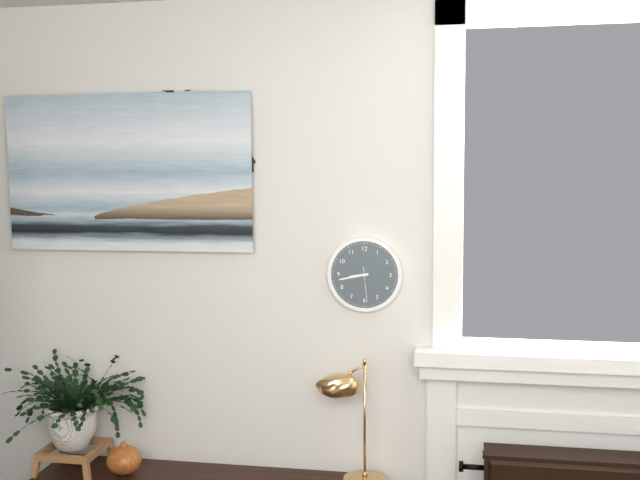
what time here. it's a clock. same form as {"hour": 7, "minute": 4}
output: {"hour": 8, "minute": 43}
